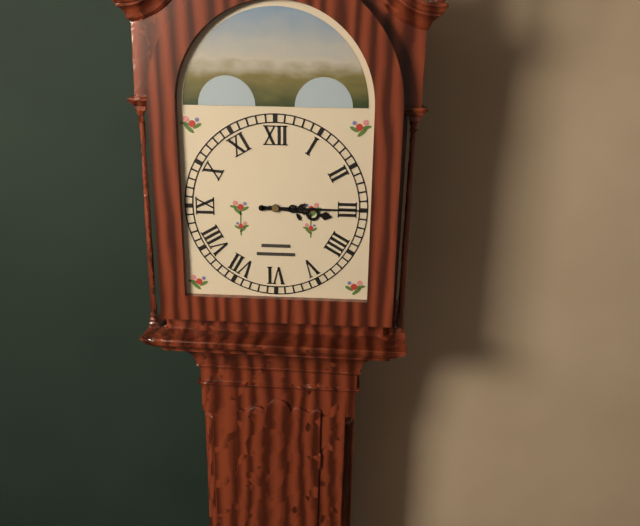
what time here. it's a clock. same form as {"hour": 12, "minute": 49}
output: {"hour": 3, "minute": 15}
